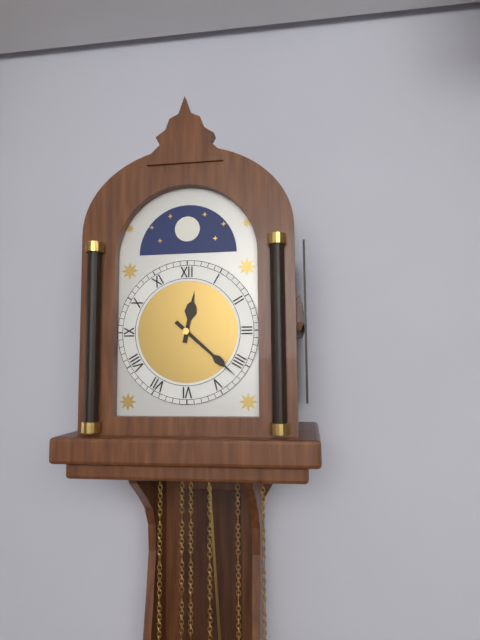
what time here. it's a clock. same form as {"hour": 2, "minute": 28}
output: {"hour": 12, "minute": 22}
